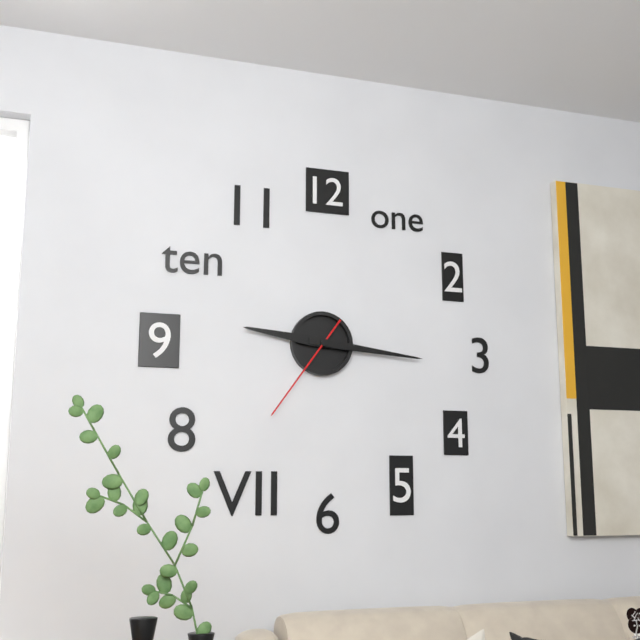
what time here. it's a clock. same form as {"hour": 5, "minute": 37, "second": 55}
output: {"hour": 9, "minute": 16, "second": 36}
